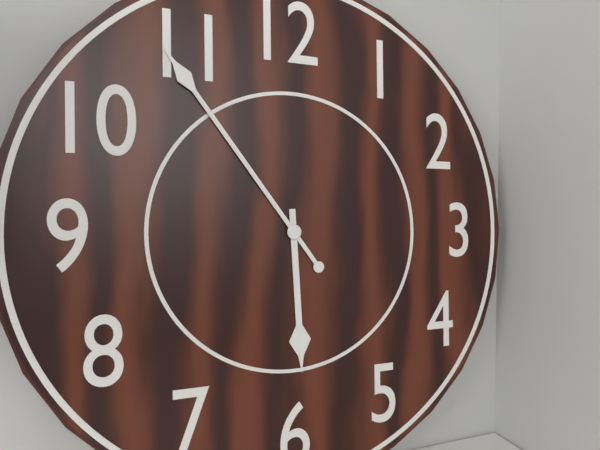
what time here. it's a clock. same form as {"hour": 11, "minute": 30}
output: {"hour": 5, "minute": 54}
